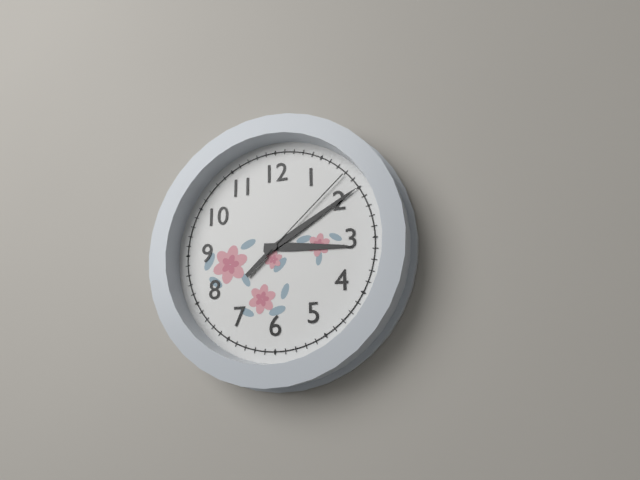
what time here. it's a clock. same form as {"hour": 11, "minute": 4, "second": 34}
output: {"hour": 3, "minute": 10, "second": 8}
